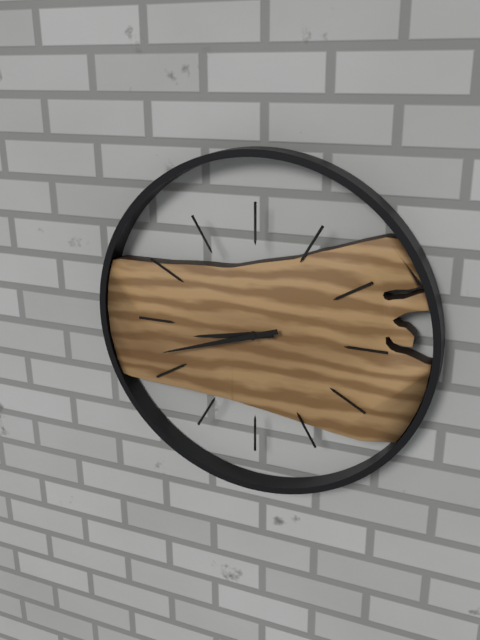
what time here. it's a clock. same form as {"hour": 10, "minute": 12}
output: {"hour": 8, "minute": 42}
